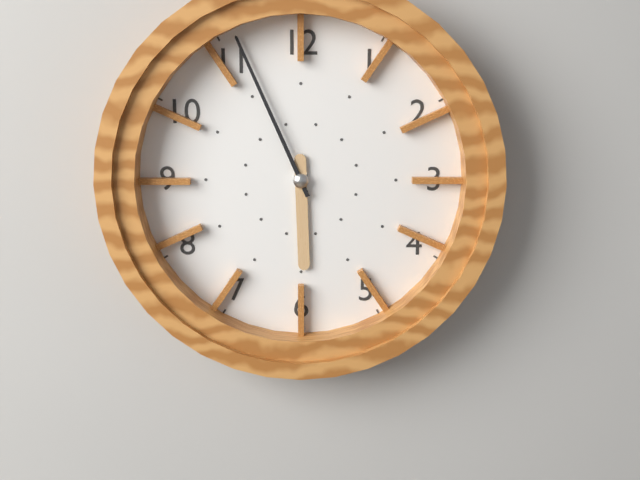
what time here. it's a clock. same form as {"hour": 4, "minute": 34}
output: {"hour": 5, "minute": 56}
